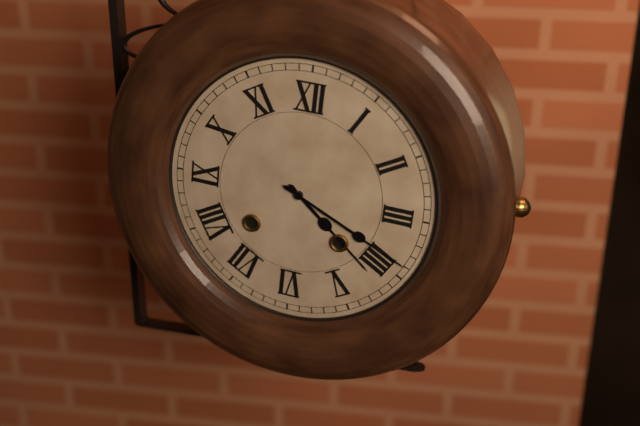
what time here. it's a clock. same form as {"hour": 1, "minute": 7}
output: {"hour": 4, "minute": 19}
